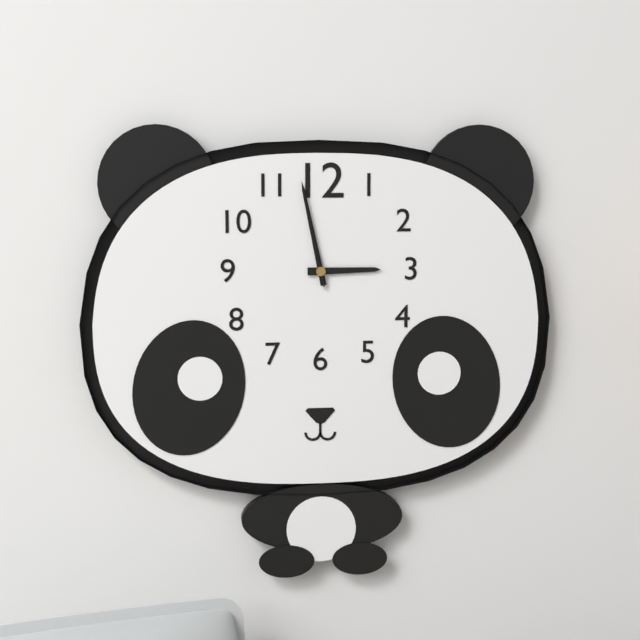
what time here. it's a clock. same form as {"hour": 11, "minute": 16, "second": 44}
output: {"hour": 2, "minute": 58, "second": 58}
